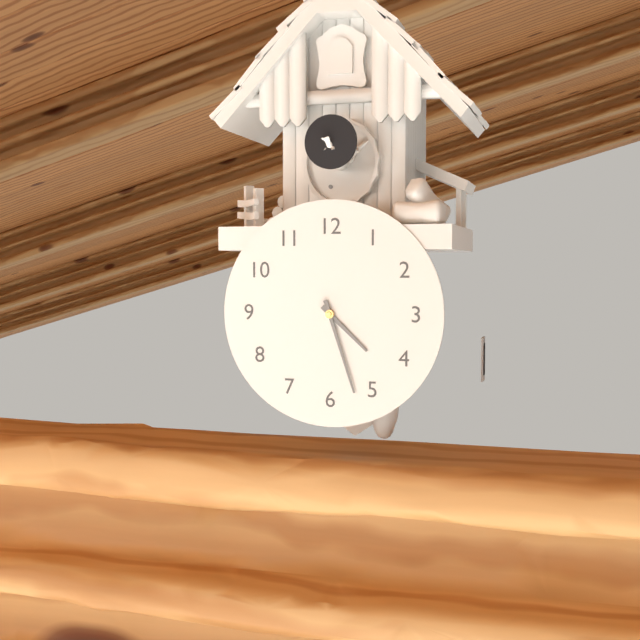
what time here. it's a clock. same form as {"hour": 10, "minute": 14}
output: {"hour": 4, "minute": 27}
